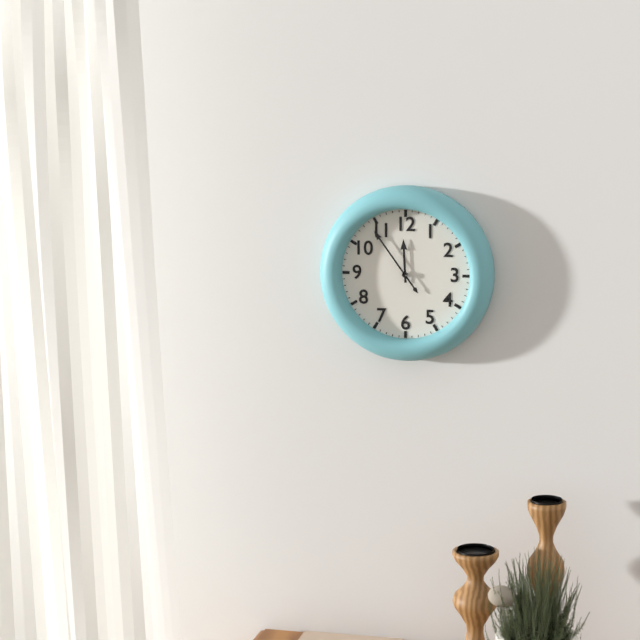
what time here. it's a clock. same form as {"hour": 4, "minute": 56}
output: {"hour": 11, "minute": 54}
